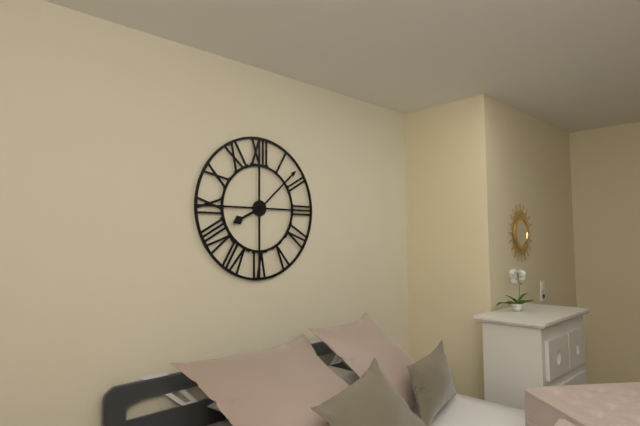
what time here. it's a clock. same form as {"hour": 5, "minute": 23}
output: {"hour": 8, "minute": 8}
